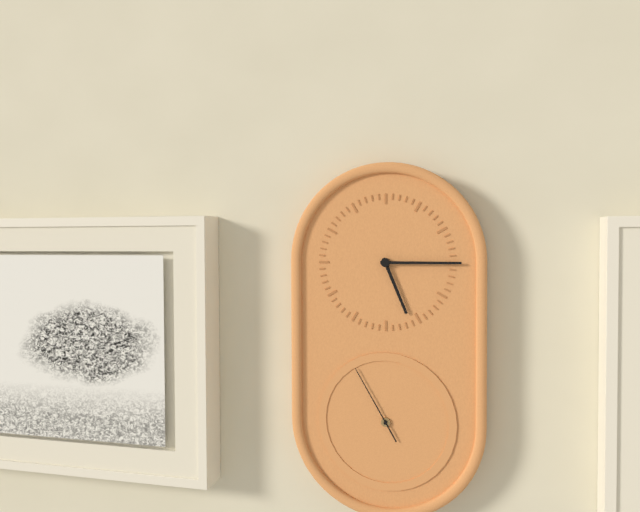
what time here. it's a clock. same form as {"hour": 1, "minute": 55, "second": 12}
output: {"hour": 5, "minute": 15, "second": 55}
